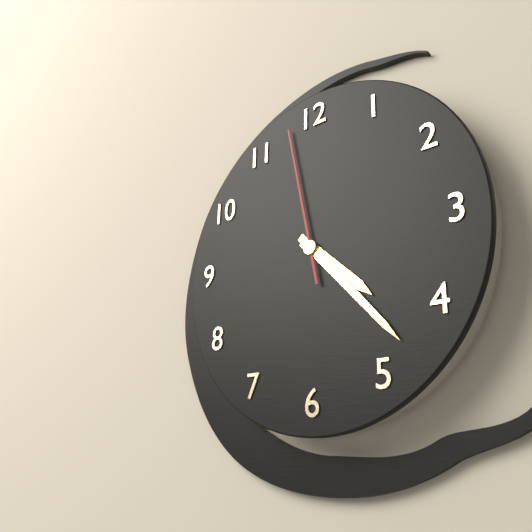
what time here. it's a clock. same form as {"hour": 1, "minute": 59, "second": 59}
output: {"hour": 4, "minute": 23, "second": 58}
